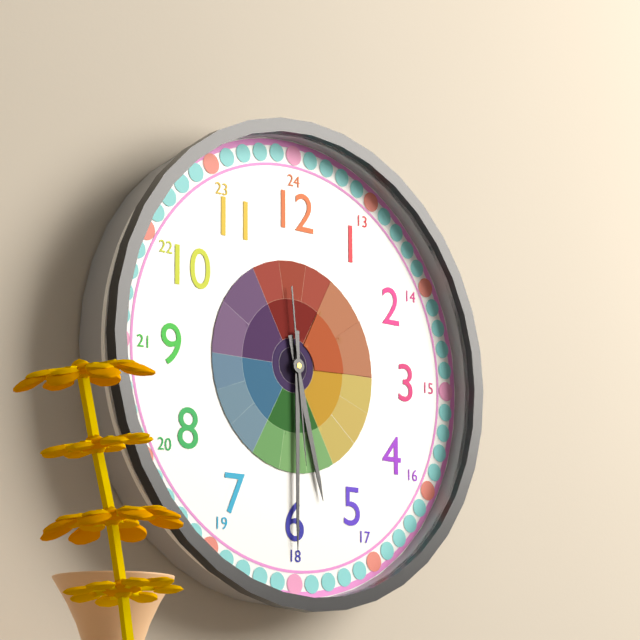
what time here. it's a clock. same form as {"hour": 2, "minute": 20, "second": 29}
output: {"hour": 5, "minute": 30, "second": 29}
